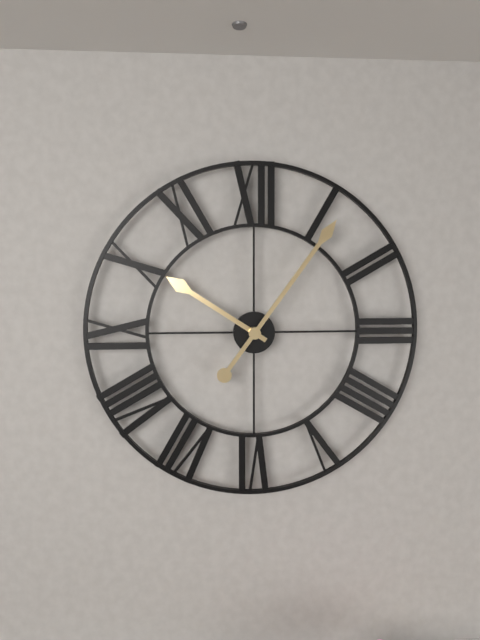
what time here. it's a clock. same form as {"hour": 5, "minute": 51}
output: {"hour": 10, "minute": 6}
